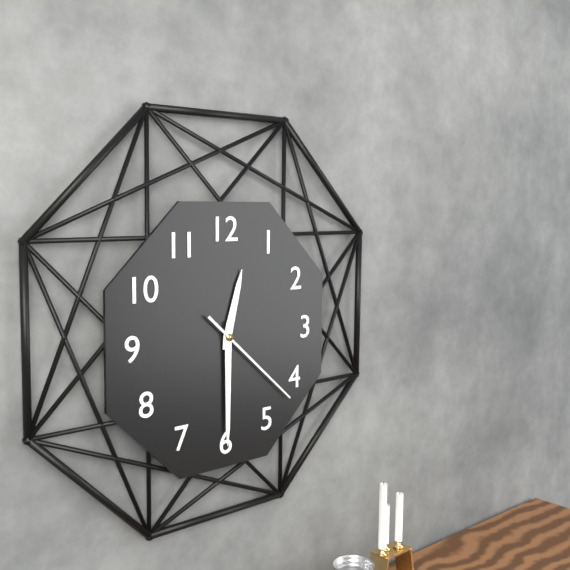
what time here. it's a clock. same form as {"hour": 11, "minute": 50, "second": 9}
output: {"hour": 12, "minute": 30, "second": 22}
